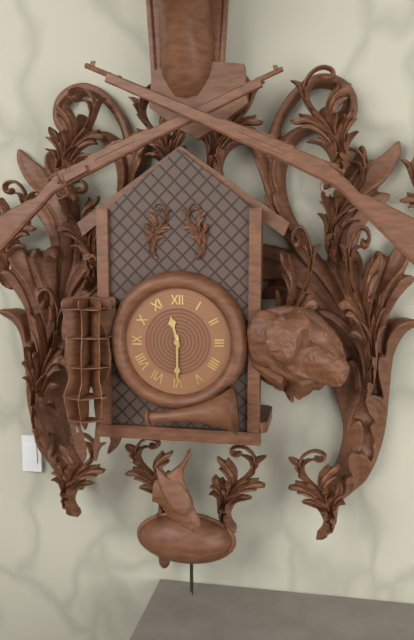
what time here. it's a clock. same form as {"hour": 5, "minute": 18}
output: {"hour": 11, "minute": 30}
